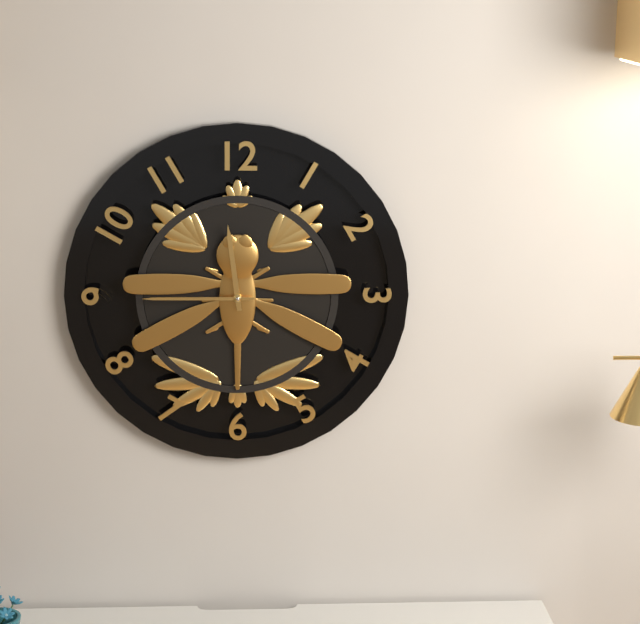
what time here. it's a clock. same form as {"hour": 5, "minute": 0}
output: {"hour": 11, "minute": 45}
